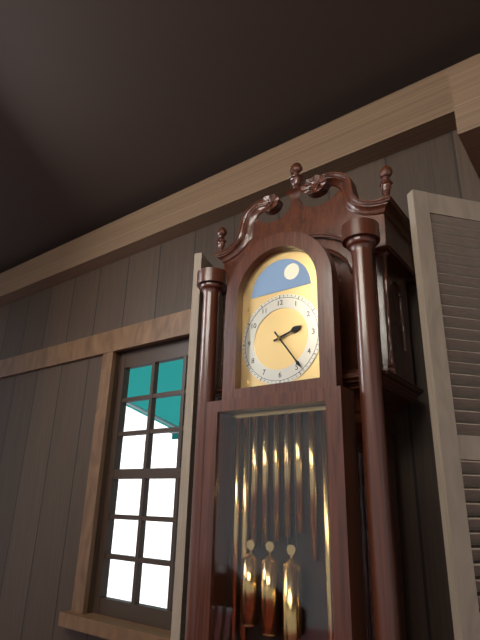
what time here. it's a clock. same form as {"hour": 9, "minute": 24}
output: {"hour": 2, "minute": 24}
